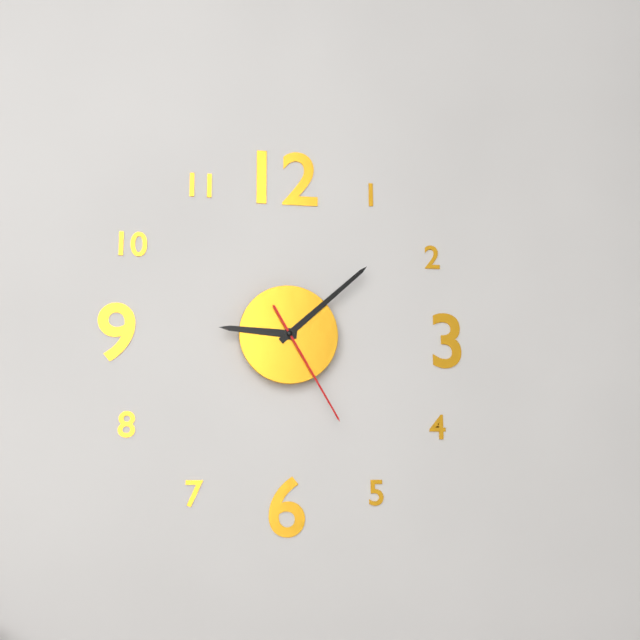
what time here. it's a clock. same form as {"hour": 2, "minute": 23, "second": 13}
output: {"hour": 9, "minute": 8, "second": 25}
